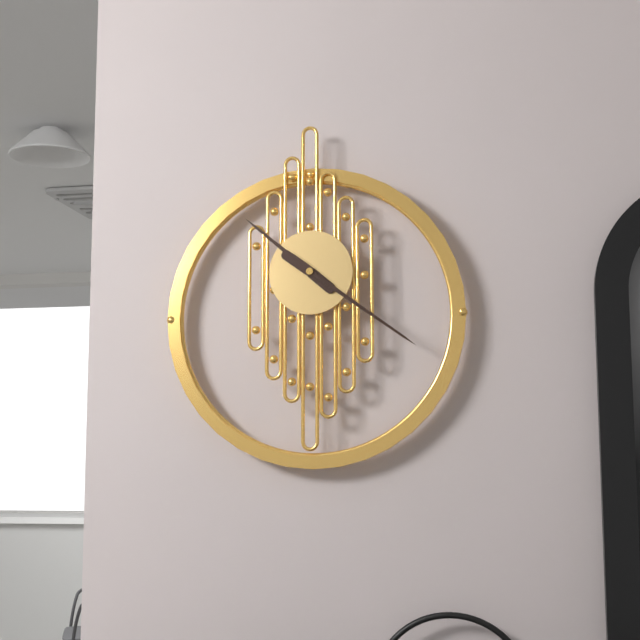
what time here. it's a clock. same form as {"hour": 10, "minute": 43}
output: {"hour": 10, "minute": 21}
